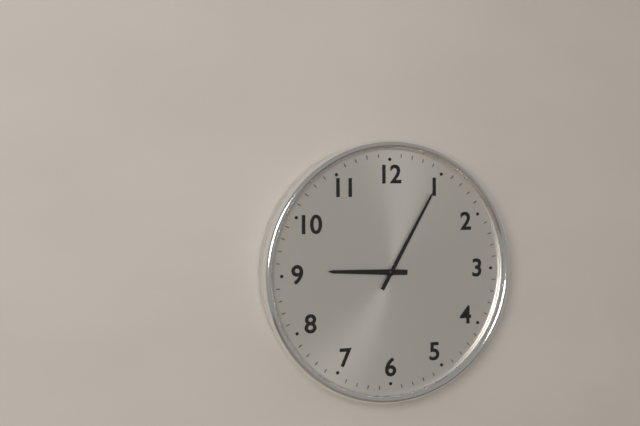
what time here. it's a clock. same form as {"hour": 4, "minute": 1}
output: {"hour": 9, "minute": 5}
